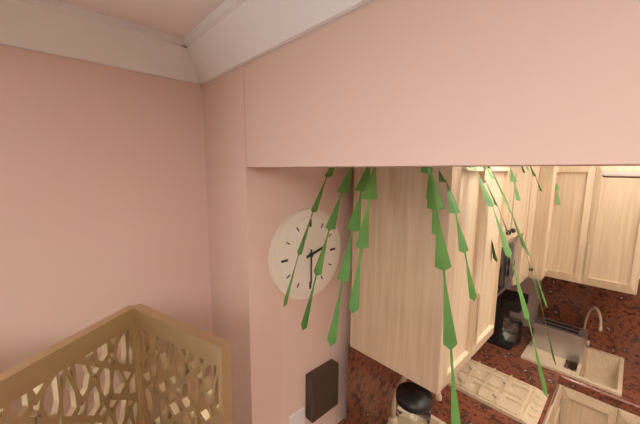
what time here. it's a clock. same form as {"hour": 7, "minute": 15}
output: {"hour": 2, "minute": 30}
